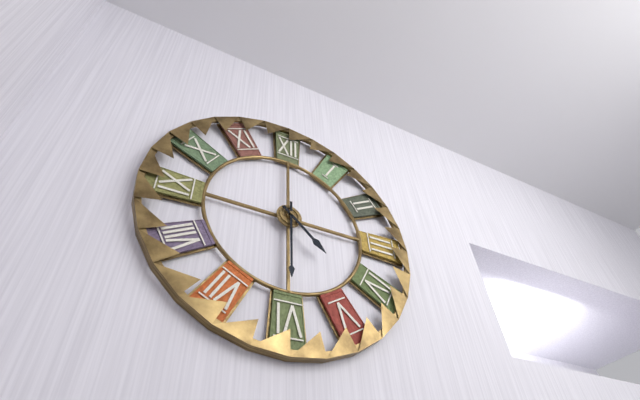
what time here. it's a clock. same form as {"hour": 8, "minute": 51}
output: {"hour": 4, "minute": 30}
